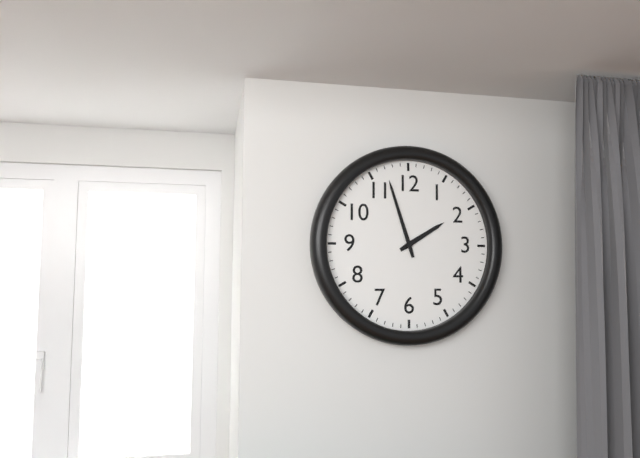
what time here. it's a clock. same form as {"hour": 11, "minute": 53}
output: {"hour": 1, "minute": 57}
